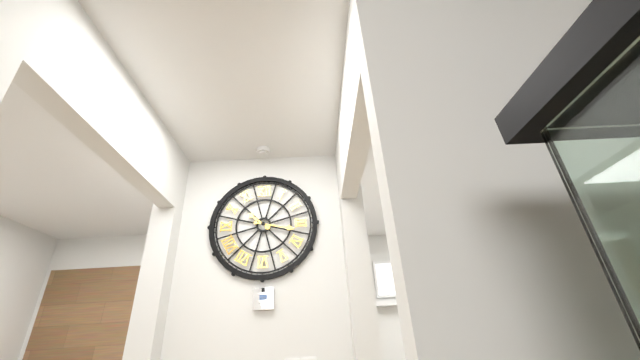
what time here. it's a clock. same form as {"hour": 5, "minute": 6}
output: {"hour": 10, "minute": 17}
